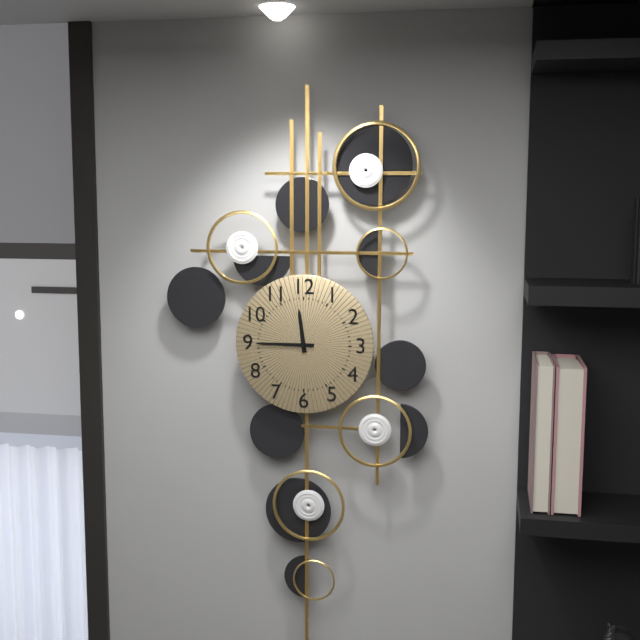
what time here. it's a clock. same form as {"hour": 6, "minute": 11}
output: {"hour": 11, "minute": 45}
